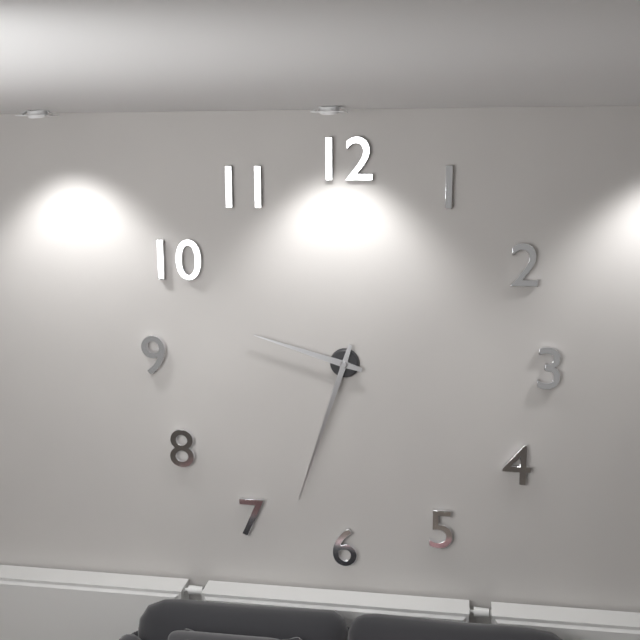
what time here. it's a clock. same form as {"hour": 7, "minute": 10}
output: {"hour": 9, "minute": 33}
